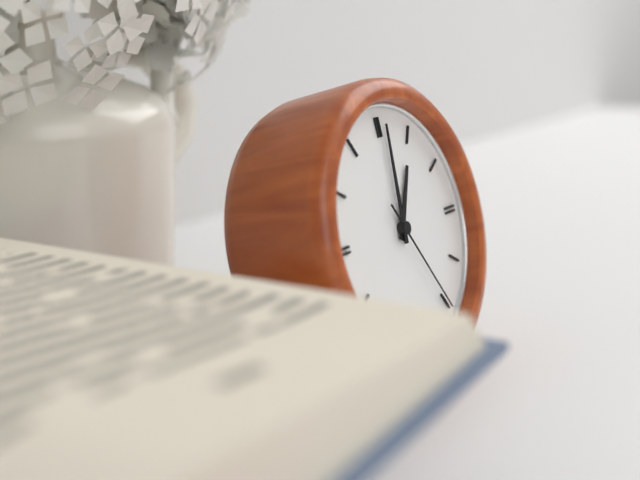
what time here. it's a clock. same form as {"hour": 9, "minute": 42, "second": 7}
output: {"hour": 1, "minute": 1, "second": 25}
